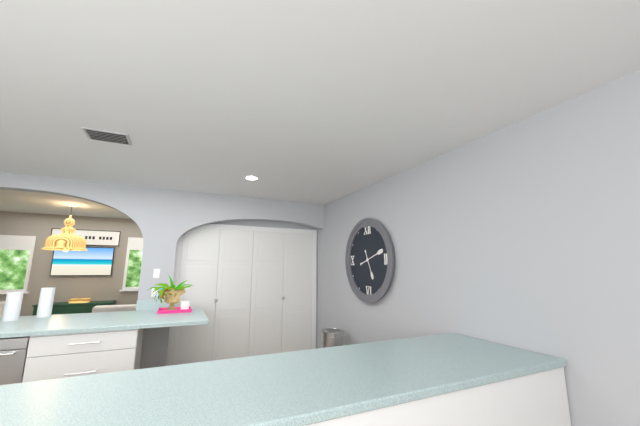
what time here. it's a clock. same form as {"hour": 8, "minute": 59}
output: {"hour": 5, "minute": 12}
